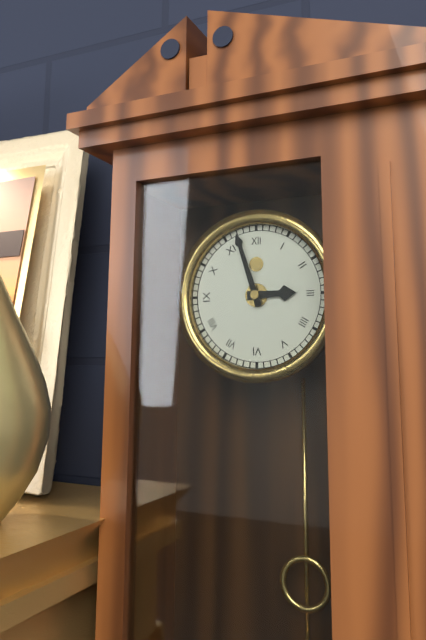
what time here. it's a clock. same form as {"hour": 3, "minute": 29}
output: {"hour": 2, "minute": 57}
